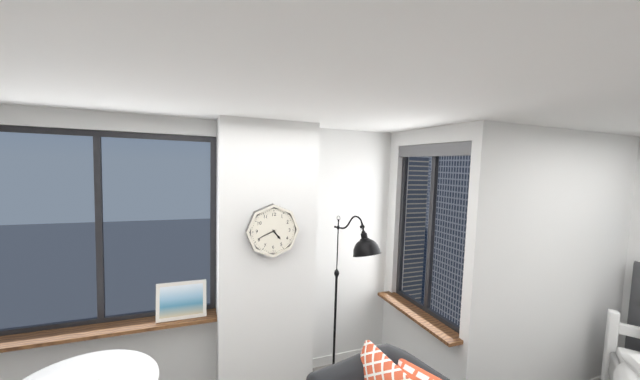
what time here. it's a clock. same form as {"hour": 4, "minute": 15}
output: {"hour": 4, "minute": 41}
